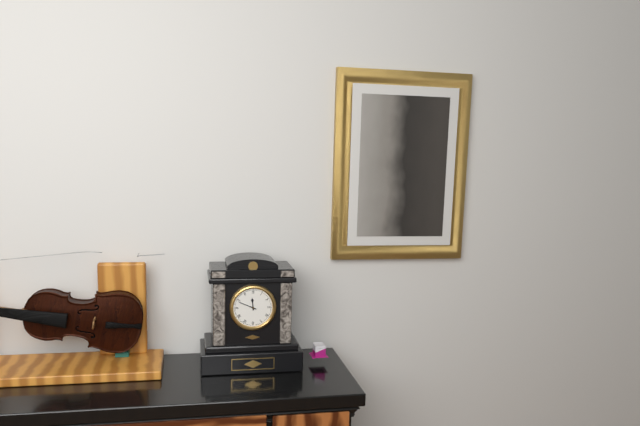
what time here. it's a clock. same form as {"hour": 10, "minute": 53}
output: {"hour": 11, "minute": 49}
